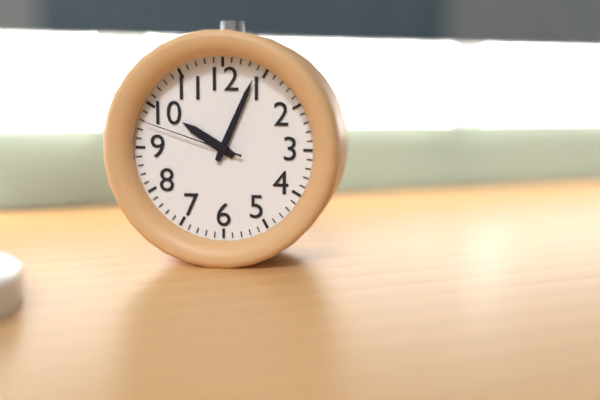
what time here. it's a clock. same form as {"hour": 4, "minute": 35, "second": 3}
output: {"hour": 10, "minute": 4, "second": 48}
